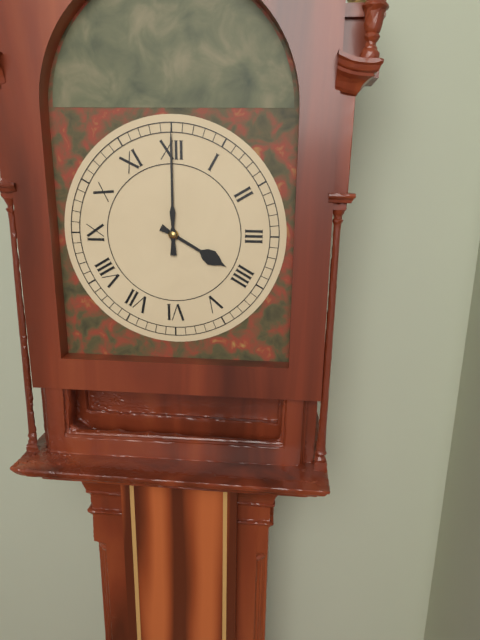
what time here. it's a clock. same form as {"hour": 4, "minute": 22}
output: {"hour": 4, "minute": 0}
